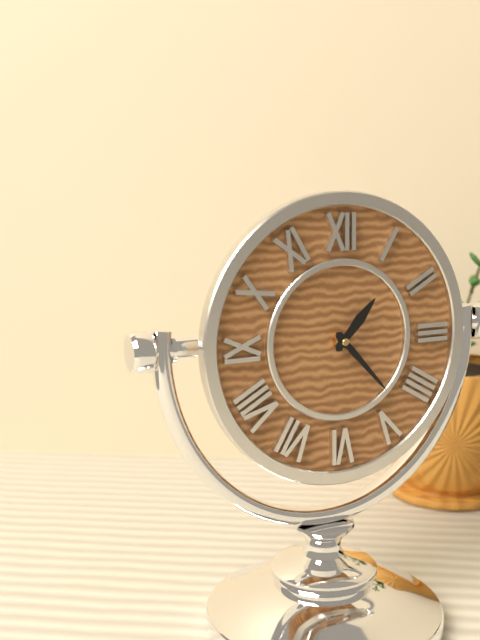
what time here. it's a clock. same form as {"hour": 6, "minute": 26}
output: {"hour": 1, "minute": 23}
